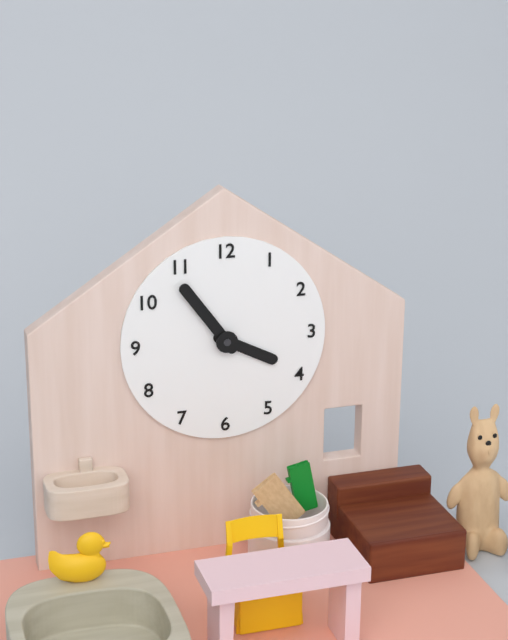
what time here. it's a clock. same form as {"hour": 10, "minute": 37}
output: {"hour": 3, "minute": 54}
